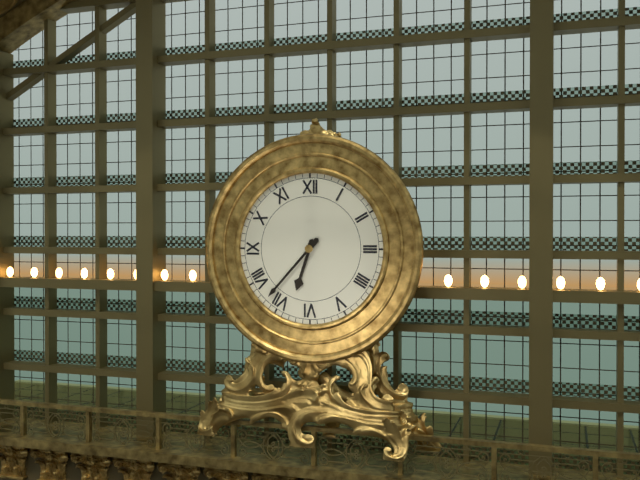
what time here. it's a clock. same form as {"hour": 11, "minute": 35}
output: {"hour": 6, "minute": 37}
